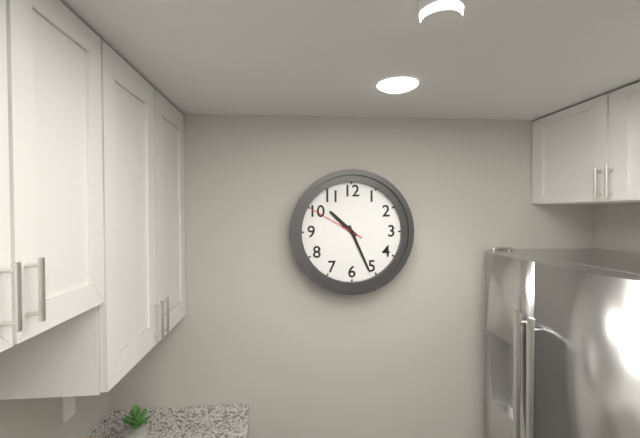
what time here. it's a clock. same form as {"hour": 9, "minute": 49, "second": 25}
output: {"hour": 10, "minute": 26, "second": 50}
